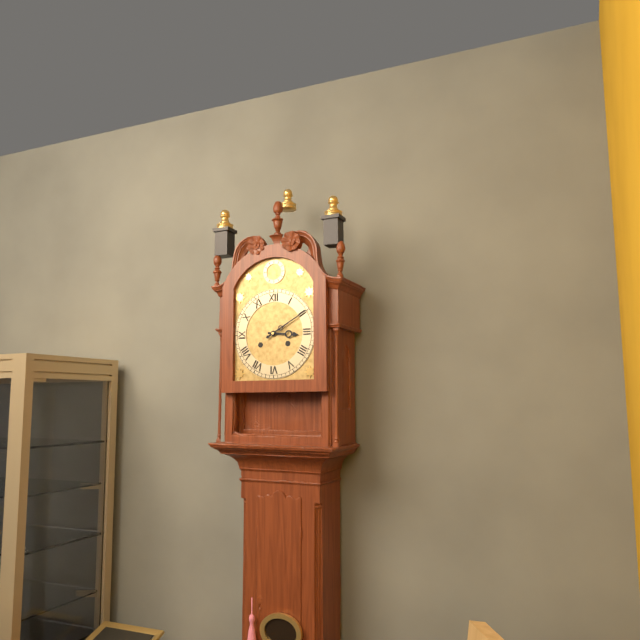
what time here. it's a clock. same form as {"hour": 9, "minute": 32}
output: {"hour": 3, "minute": 10}
